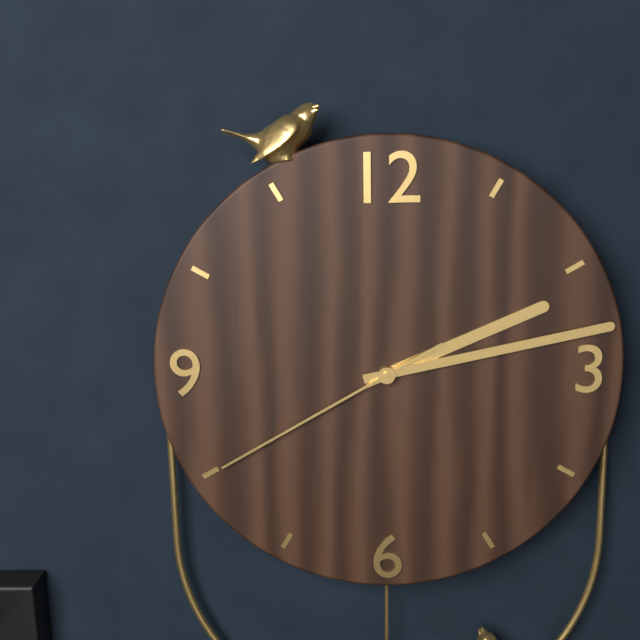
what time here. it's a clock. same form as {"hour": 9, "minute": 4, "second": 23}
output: {"hour": 2, "minute": 13, "second": 40}
